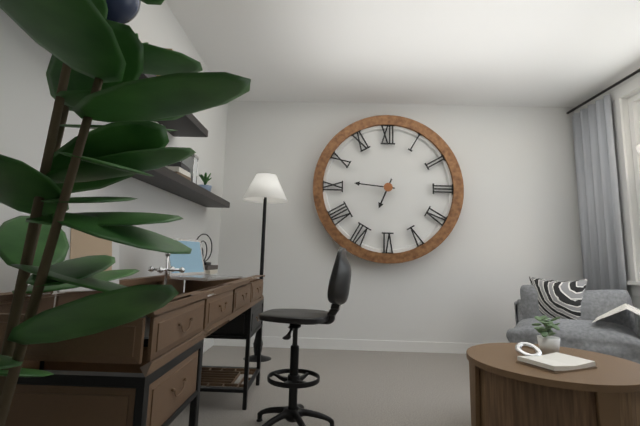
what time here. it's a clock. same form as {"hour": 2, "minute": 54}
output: {"hour": 6, "minute": 46}
